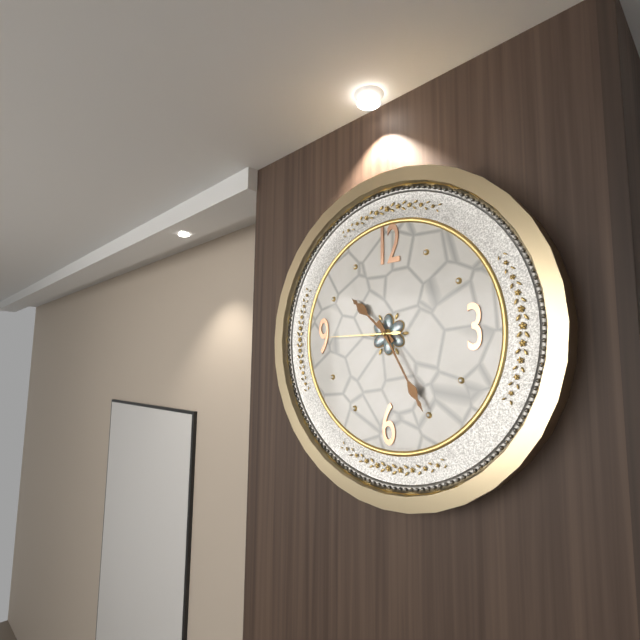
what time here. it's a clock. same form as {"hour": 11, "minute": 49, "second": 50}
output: {"hour": 10, "minute": 25, "second": 45}
